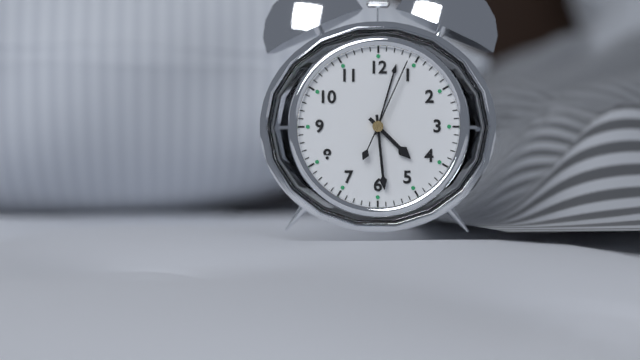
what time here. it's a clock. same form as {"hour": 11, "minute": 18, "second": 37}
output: {"hour": 4, "minute": 29, "second": 4}
